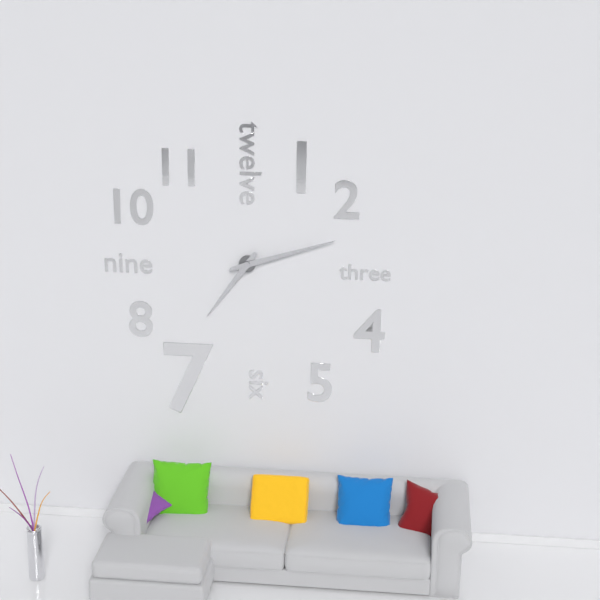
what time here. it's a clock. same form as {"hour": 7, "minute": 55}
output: {"hour": 7, "minute": 12}
